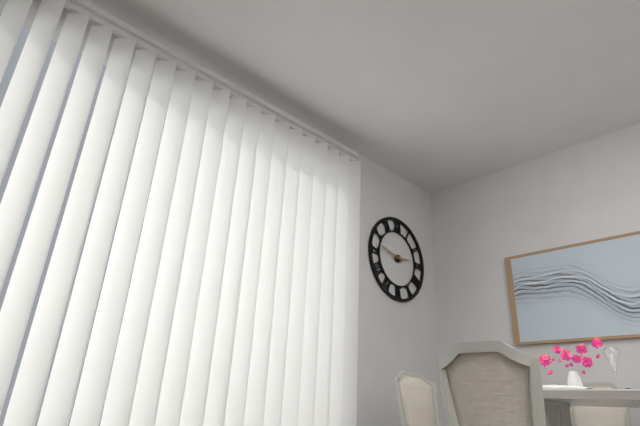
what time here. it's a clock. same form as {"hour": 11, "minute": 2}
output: {"hour": 2, "minute": 47}
